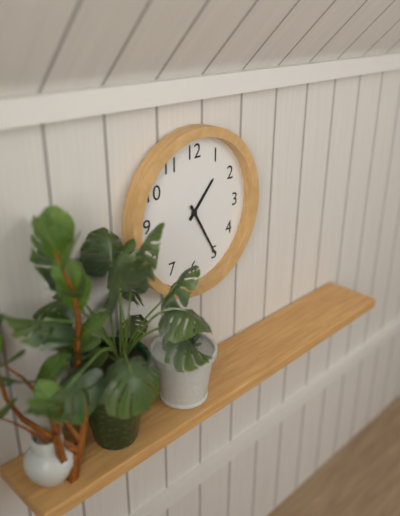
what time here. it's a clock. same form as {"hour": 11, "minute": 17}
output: {"hour": 1, "minute": 25}
